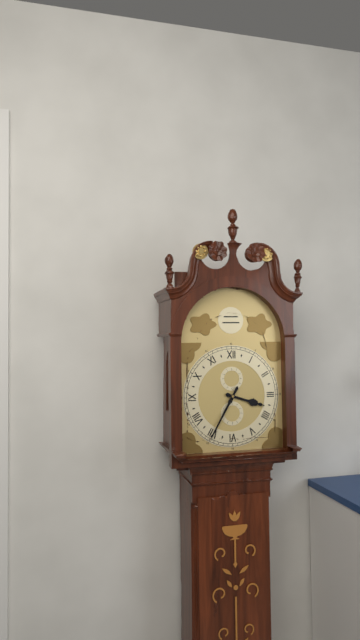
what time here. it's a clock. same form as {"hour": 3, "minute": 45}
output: {"hour": 3, "minute": 35}
